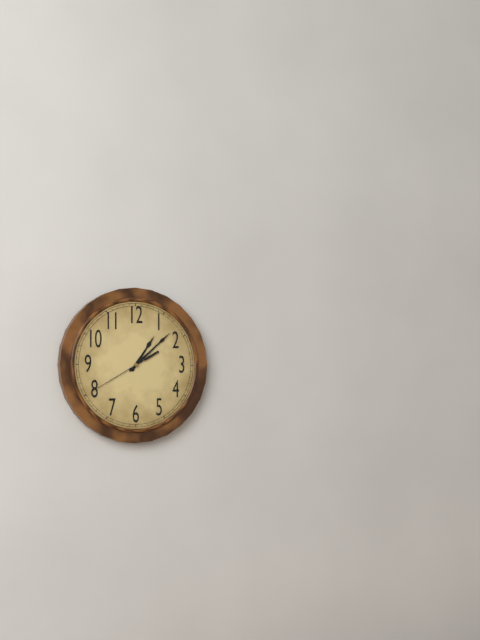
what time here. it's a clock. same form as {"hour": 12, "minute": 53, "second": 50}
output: {"hour": 1, "minute": 8, "second": 40}
